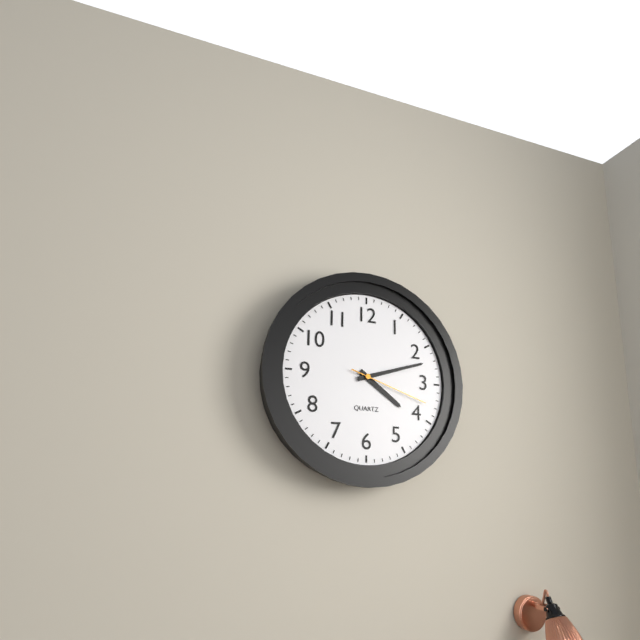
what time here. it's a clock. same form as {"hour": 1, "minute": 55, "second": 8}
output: {"hour": 4, "minute": 12, "second": 18}
